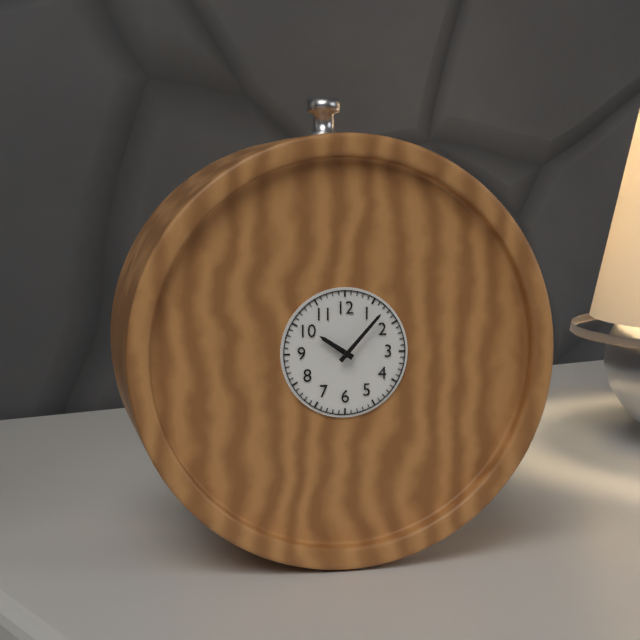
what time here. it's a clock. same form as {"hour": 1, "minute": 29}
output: {"hour": 10, "minute": 7}
